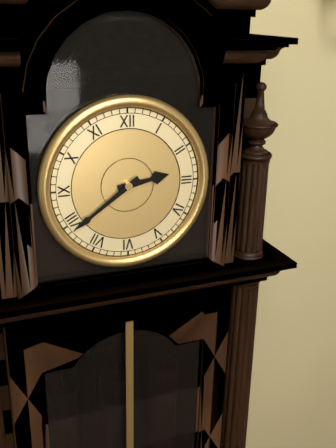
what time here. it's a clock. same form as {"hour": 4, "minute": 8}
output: {"hour": 2, "minute": 39}
